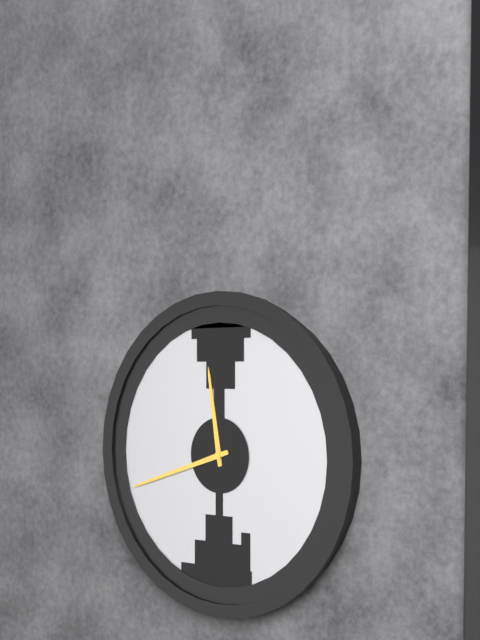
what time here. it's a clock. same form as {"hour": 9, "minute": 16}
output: {"hour": 11, "minute": 42}
